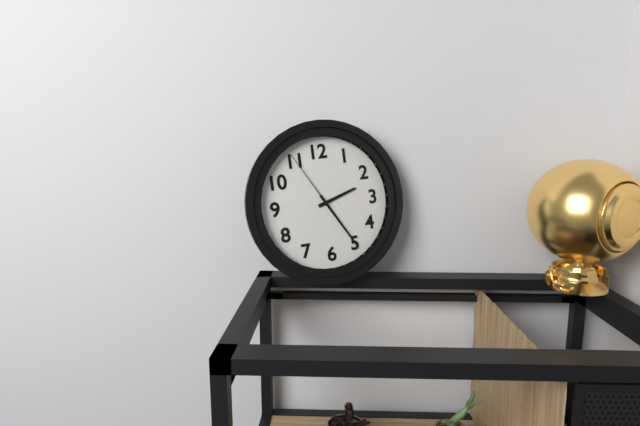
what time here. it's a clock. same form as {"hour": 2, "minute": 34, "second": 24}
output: {"hour": 2, "minute": 25, "second": 55}
